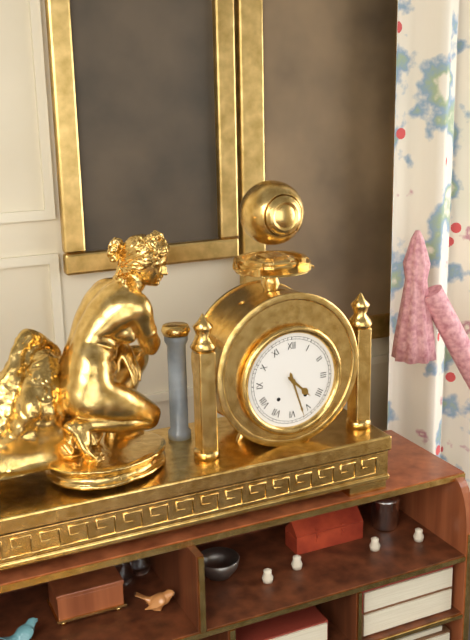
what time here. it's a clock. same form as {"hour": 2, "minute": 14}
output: {"hour": 4, "minute": 27}
